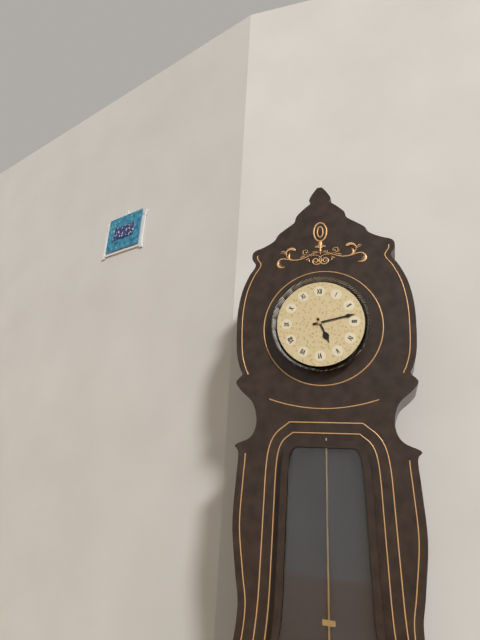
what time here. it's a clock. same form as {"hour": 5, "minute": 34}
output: {"hour": 5, "minute": 13}
